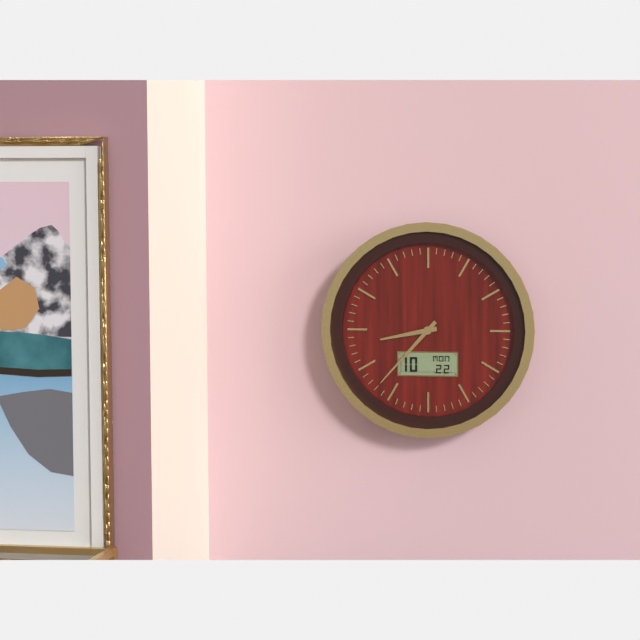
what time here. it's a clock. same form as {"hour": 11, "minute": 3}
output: {"hour": 8, "minute": 37}
